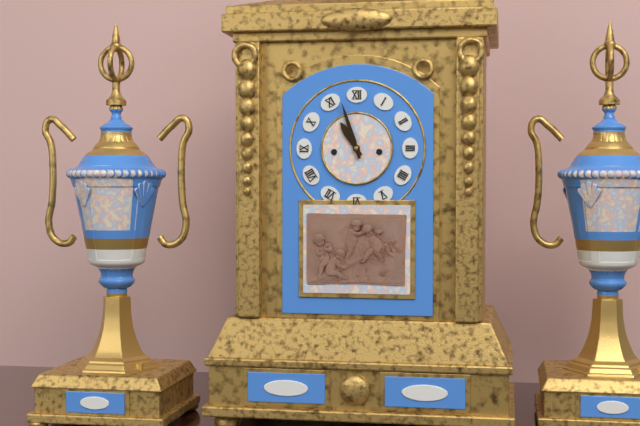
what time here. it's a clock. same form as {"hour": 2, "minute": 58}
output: {"hour": 10, "minute": 57}
